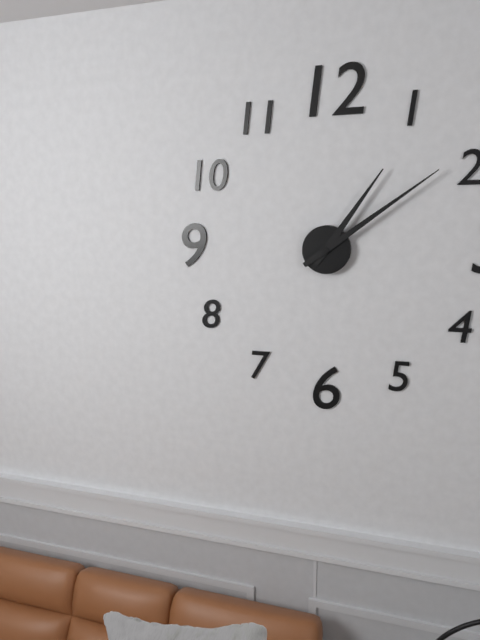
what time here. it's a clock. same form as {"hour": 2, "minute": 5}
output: {"hour": 1, "minute": 9}
